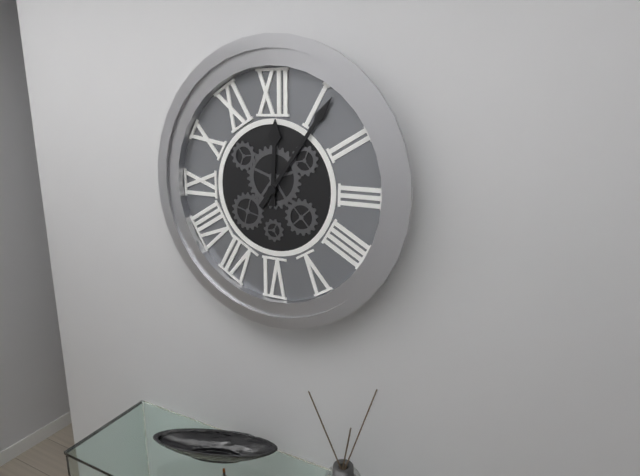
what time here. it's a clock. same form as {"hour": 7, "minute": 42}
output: {"hour": 12, "minute": 6}
